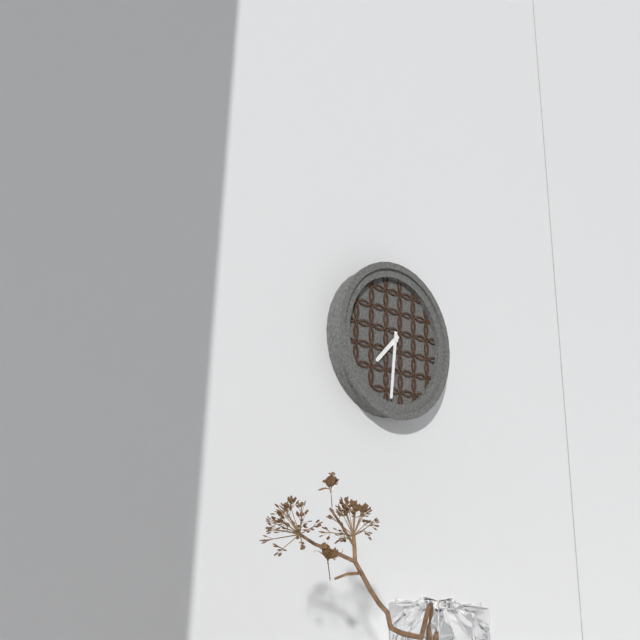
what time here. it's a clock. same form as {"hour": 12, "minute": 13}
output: {"hour": 7, "minute": 31}
